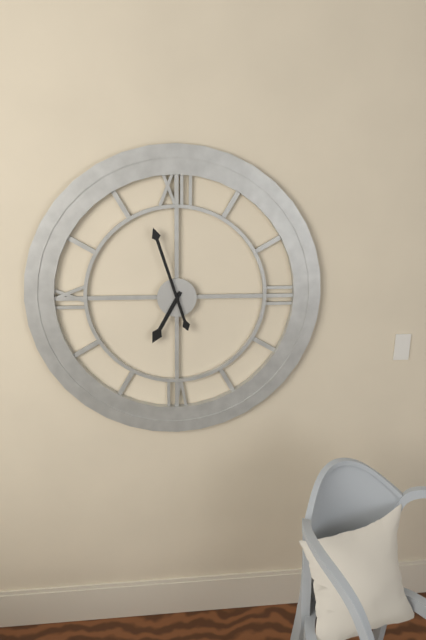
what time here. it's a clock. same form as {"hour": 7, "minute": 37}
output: {"hour": 6, "minute": 57}
